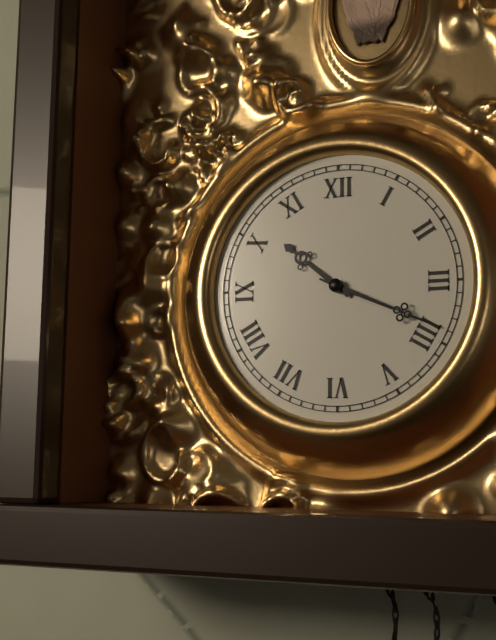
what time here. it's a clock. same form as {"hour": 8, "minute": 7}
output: {"hour": 10, "minute": 19}
